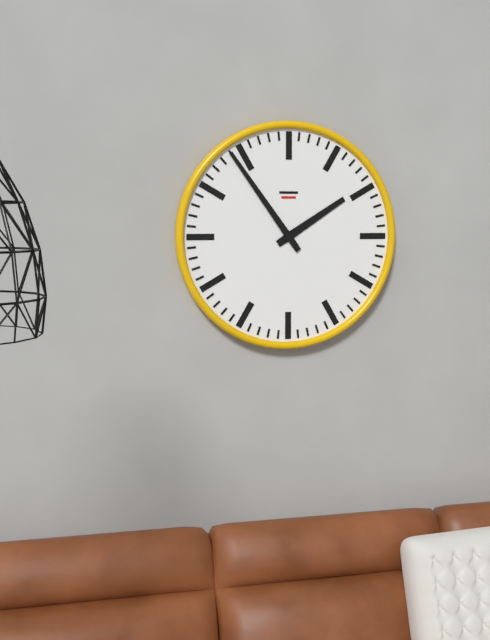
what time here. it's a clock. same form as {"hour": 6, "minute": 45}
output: {"hour": 1, "minute": 54}
